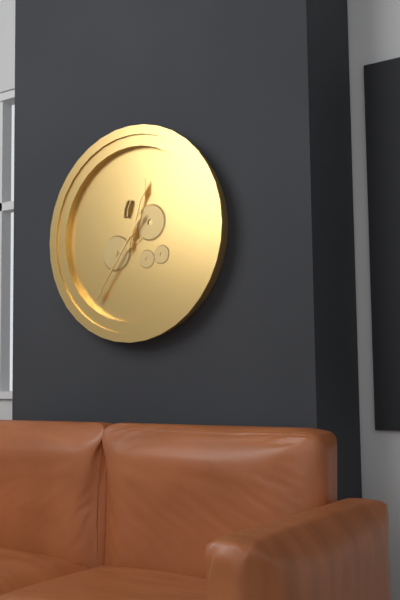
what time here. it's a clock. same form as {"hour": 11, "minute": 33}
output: {"hour": 12, "minute": 36}
